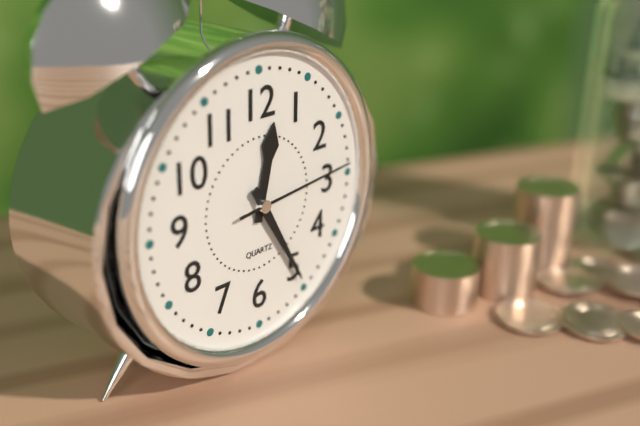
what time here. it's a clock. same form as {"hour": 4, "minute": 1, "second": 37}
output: {"hour": 12, "minute": 25, "second": 14}
